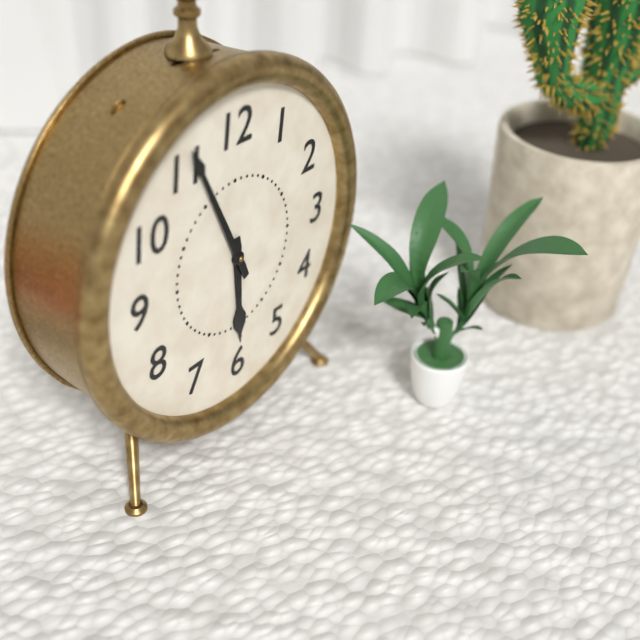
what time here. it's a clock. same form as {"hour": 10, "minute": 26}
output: {"hour": 5, "minute": 56}
